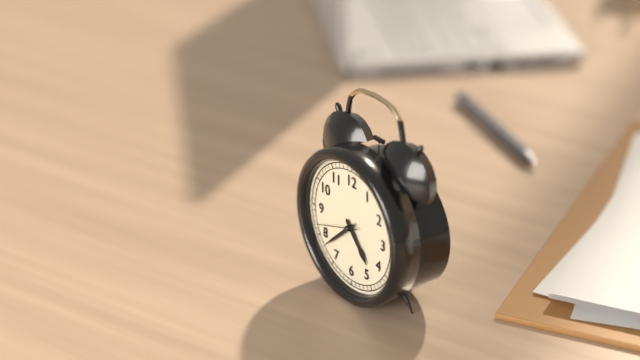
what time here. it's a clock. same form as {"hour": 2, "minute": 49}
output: {"hour": 4, "minute": 38}
